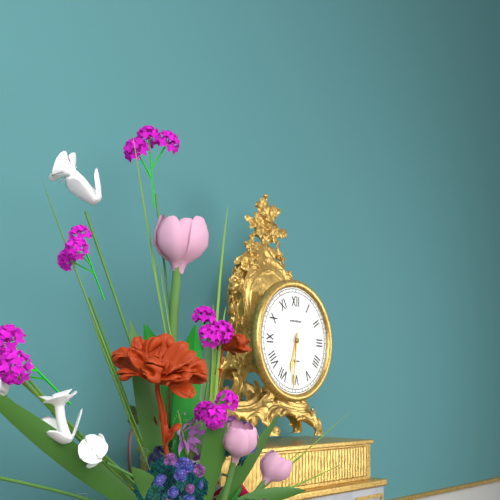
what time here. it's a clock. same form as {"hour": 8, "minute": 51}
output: {"hour": 6, "minute": 31}
